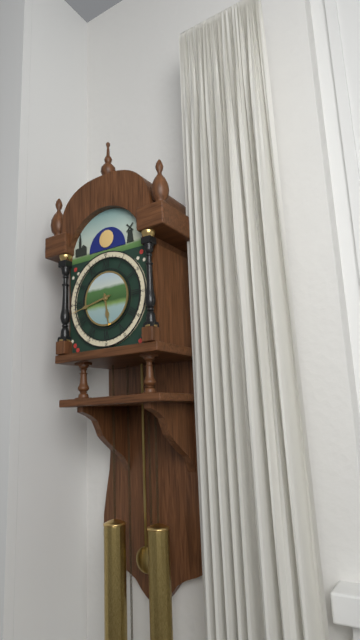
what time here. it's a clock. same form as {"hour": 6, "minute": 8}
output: {"hour": 5, "minute": 43}
